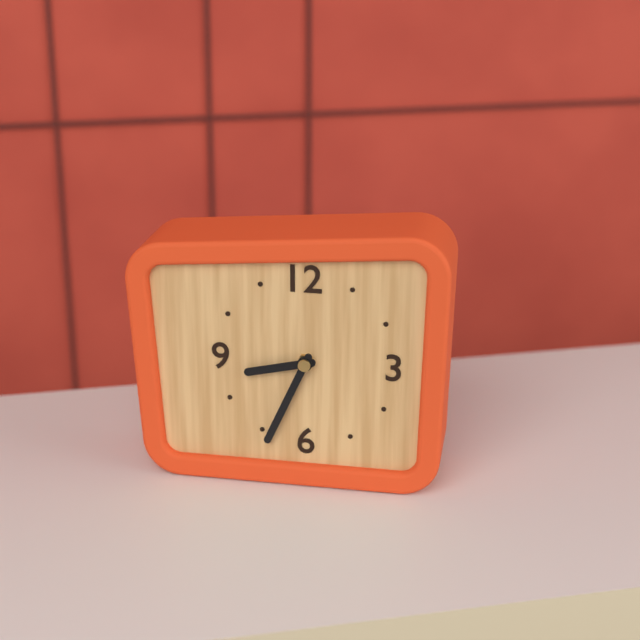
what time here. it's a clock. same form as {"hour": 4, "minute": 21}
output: {"hour": 8, "minute": 34}
